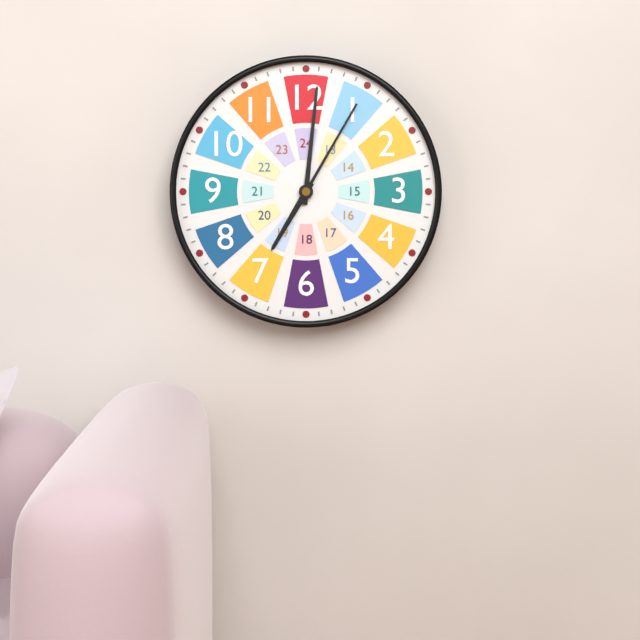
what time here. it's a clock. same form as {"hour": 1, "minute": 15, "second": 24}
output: {"hour": 7, "minute": 1, "second": 5}
